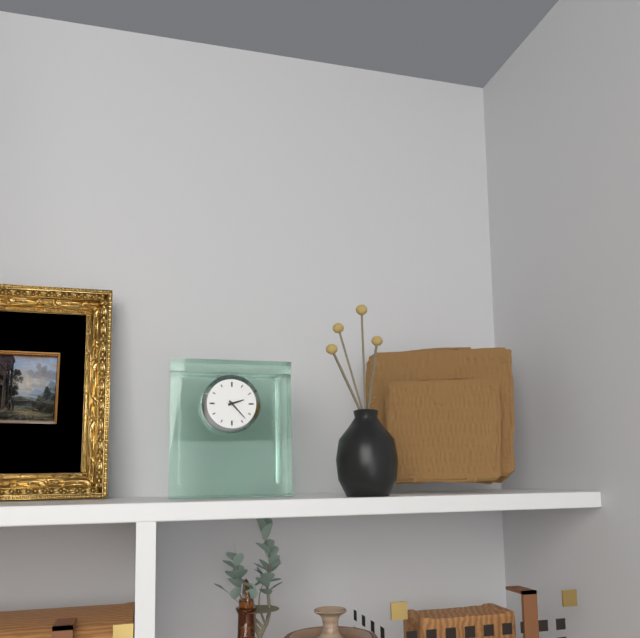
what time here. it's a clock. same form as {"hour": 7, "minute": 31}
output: {"hour": 2, "minute": 23}
